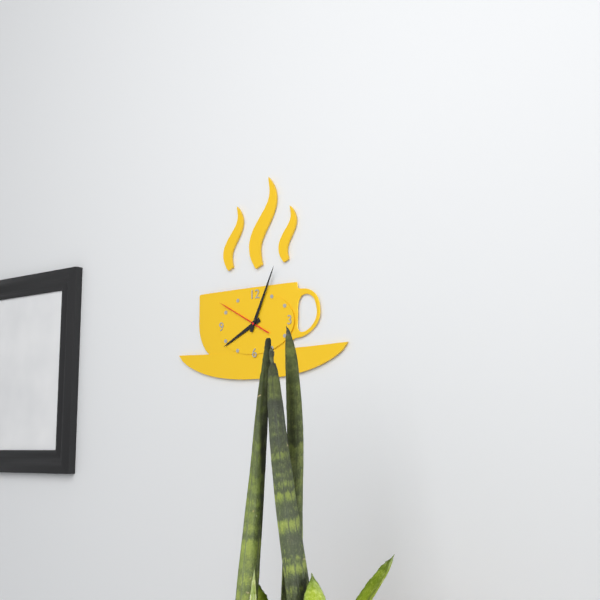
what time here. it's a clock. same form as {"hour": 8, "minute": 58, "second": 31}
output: {"hour": 8, "minute": 4, "second": 50}
